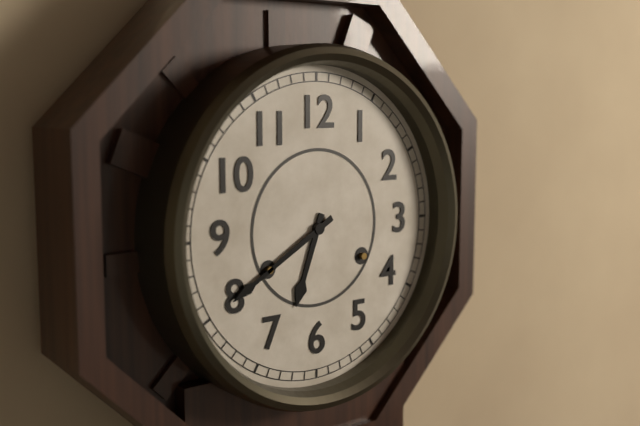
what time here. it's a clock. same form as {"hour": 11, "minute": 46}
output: {"hour": 6, "minute": 40}
